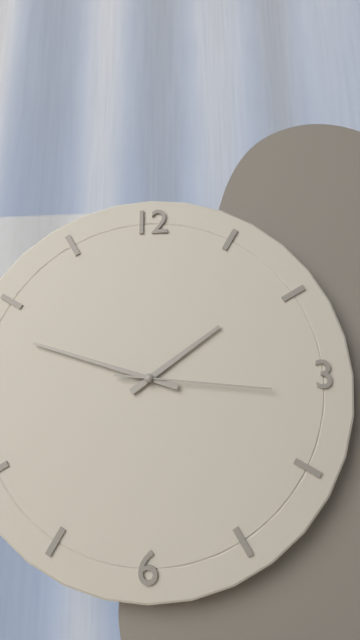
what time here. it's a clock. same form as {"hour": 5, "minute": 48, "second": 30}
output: {"hour": 1, "minute": 48, "second": 16}
